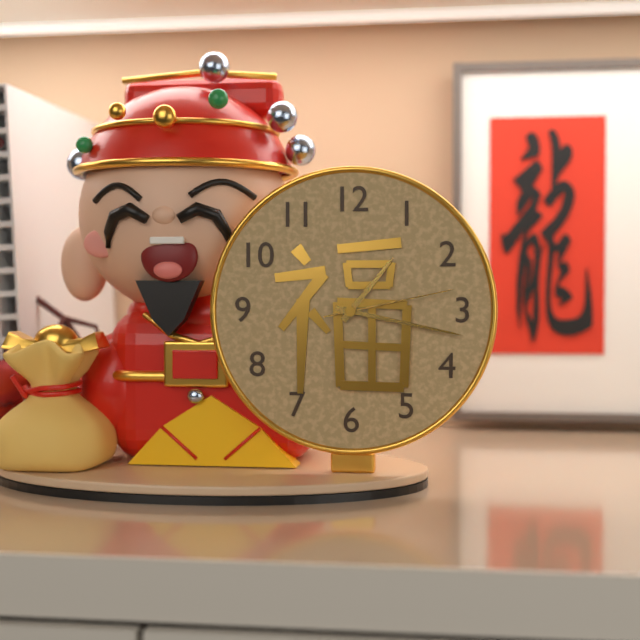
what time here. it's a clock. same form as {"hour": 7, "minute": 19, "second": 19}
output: {"hour": 1, "minute": 17, "second": 13}
